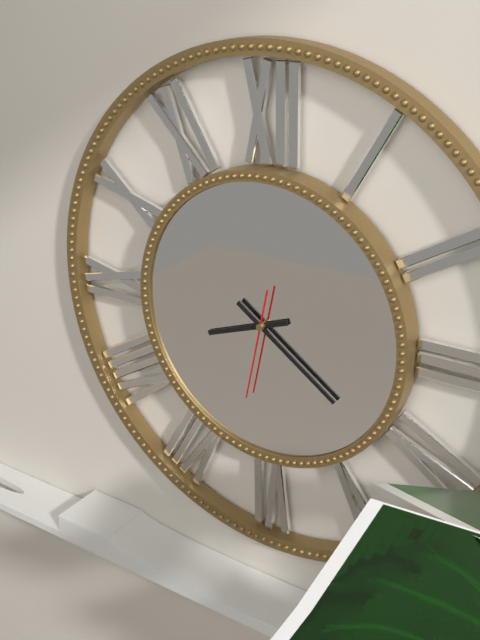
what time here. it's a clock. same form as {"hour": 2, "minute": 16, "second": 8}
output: {"hour": 8, "minute": 21, "second": 32}
